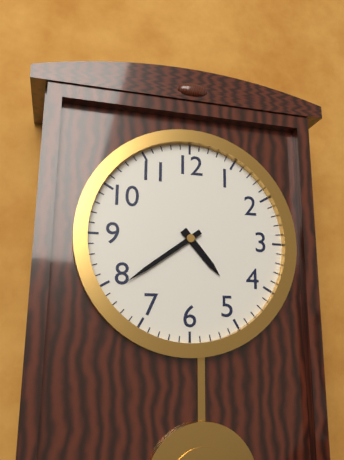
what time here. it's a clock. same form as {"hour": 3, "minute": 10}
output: {"hour": 4, "minute": 39}
